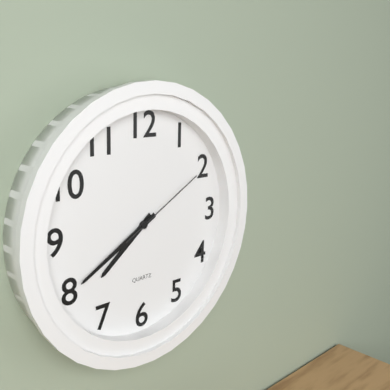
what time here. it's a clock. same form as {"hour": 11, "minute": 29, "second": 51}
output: {"hour": 7, "minute": 40, "second": 10}
